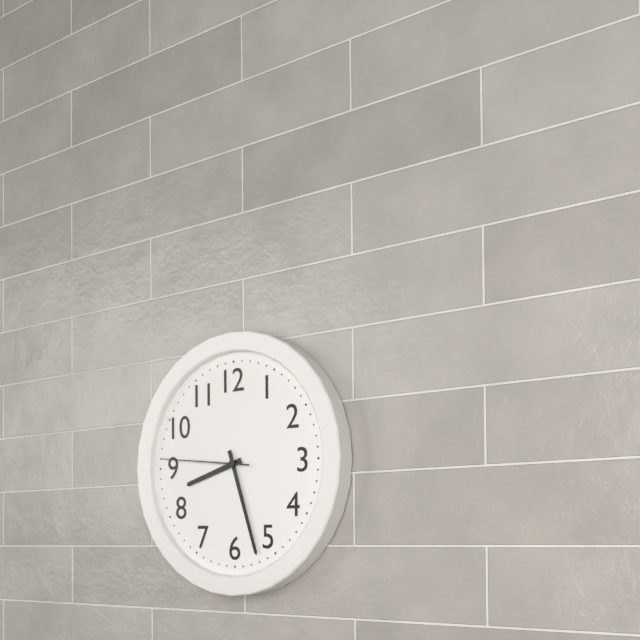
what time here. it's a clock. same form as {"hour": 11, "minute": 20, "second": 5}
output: {"hour": 8, "minute": 27, "second": 46}
